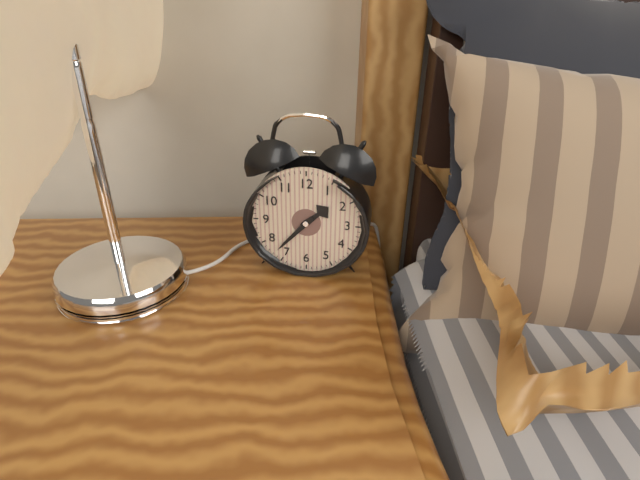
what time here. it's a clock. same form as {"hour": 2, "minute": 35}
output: {"hour": 1, "minute": 37}
